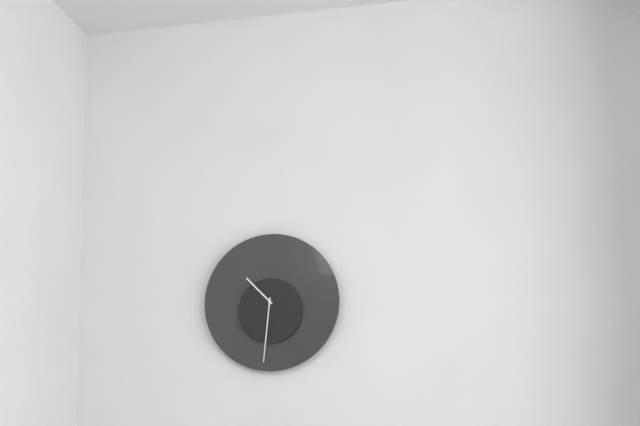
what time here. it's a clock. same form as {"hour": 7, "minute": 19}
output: {"hour": 10, "minute": 31}
